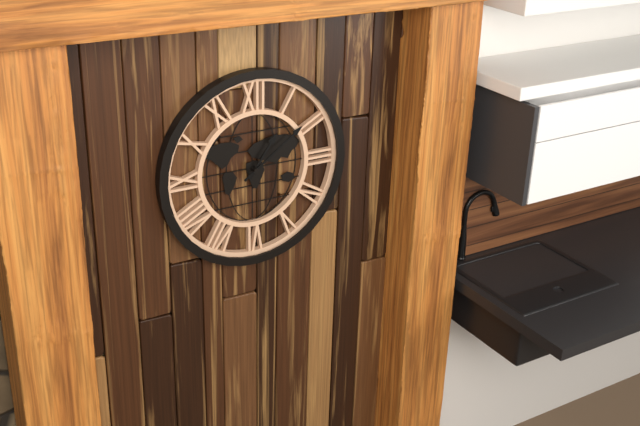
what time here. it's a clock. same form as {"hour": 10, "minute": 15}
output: {"hour": 1, "minute": 9}
